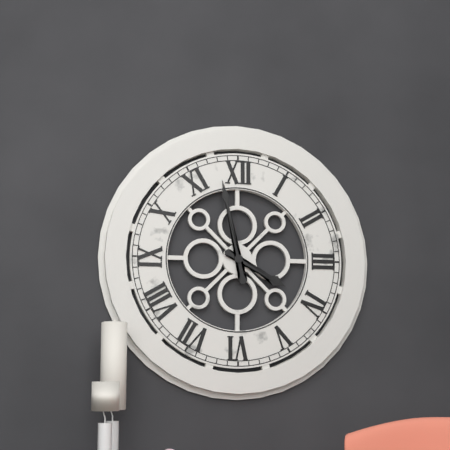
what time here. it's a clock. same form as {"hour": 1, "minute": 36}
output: {"hour": 3, "minute": 58}
